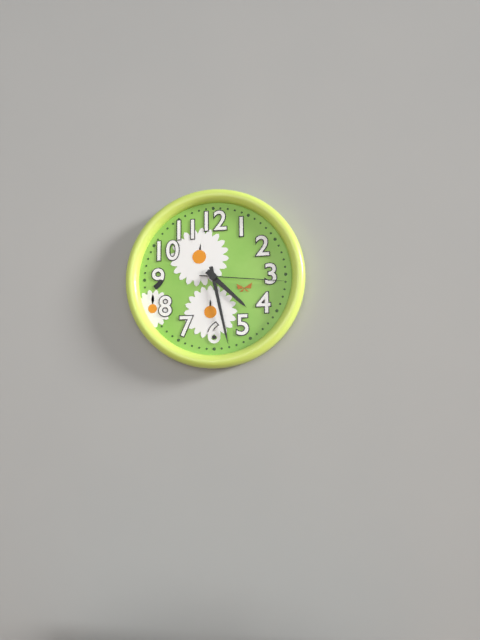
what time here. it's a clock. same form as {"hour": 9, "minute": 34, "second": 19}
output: {"hour": 4, "minute": 28, "second": 16}
